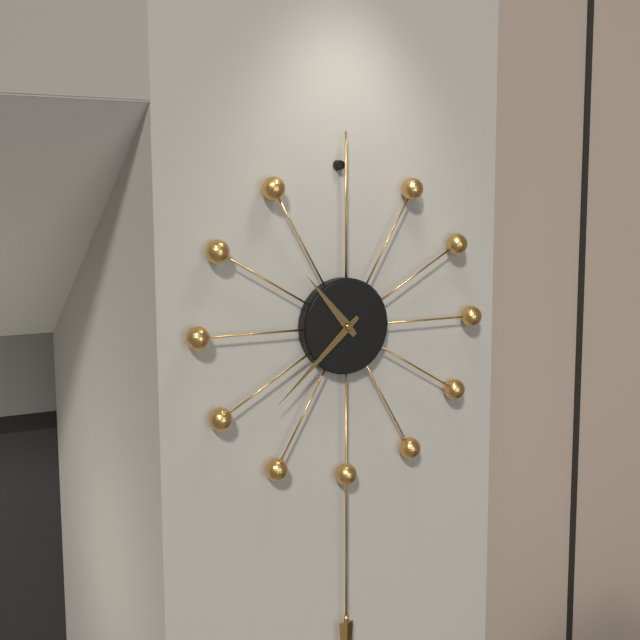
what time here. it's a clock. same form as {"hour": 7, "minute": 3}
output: {"hour": 10, "minute": 38}
